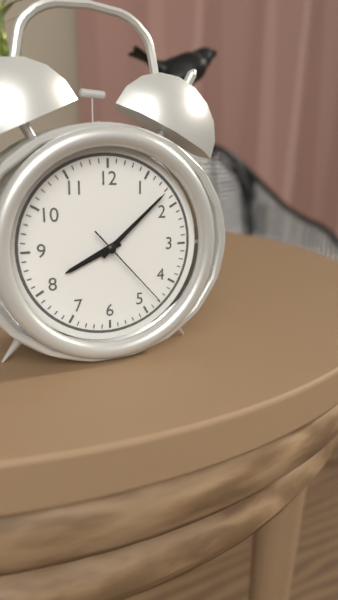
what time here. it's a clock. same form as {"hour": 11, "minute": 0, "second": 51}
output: {"hour": 8, "minute": 8, "second": 23}
